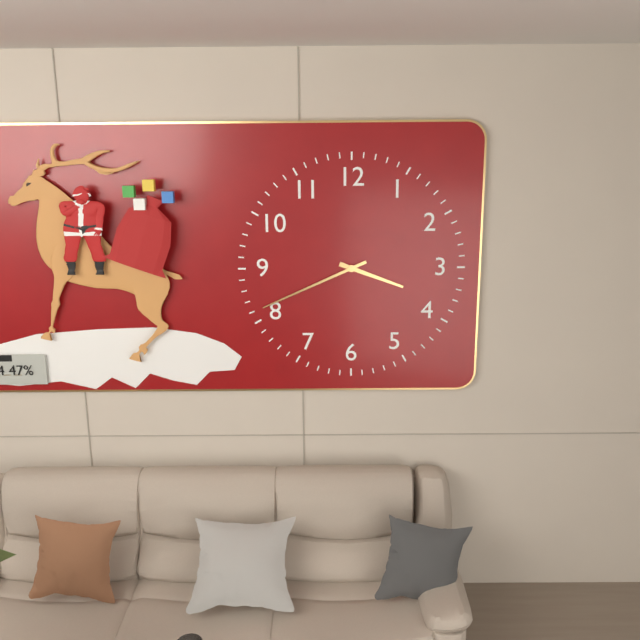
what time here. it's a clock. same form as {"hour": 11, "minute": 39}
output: {"hour": 3, "minute": 41}
